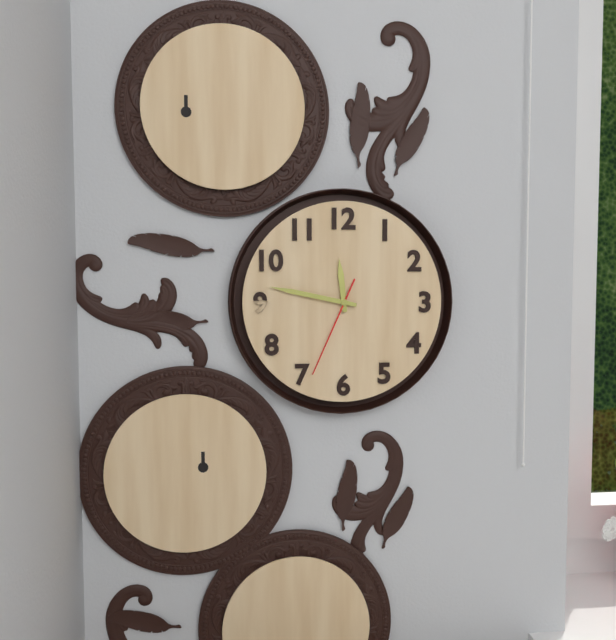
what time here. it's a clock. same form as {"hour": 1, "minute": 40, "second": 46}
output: {"hour": 11, "minute": 47, "second": 34}
